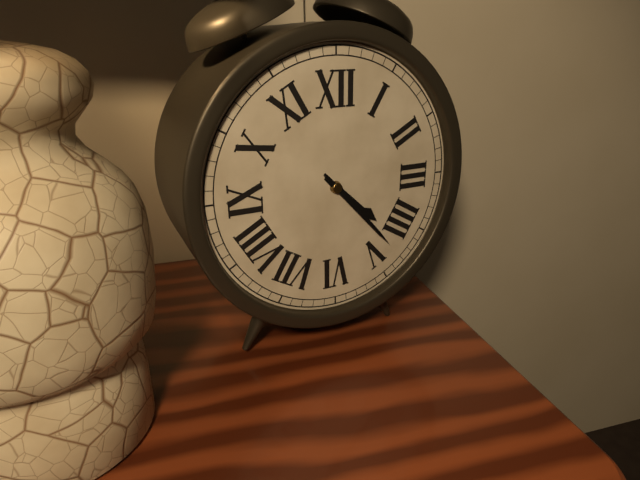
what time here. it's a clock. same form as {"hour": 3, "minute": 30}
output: {"hour": 4, "minute": 23}
